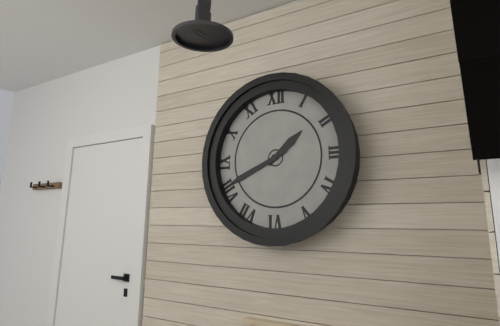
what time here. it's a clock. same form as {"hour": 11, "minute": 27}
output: {"hour": 1, "minute": 41}
